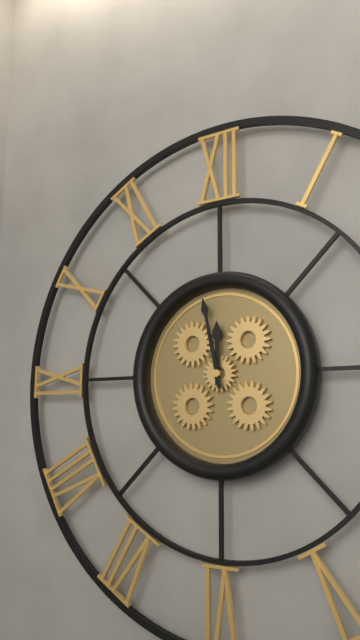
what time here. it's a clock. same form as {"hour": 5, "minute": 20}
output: {"hour": 11, "minute": 58}
